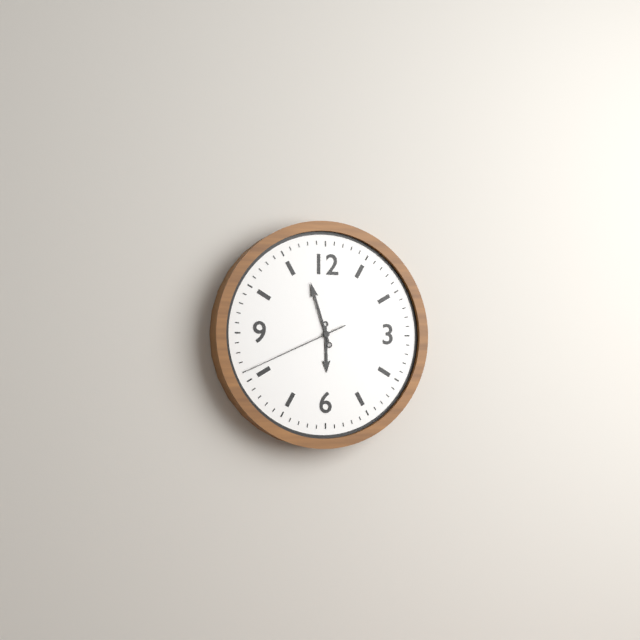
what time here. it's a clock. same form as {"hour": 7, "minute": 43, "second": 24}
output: {"hour": 5, "minute": 57, "second": 41}
